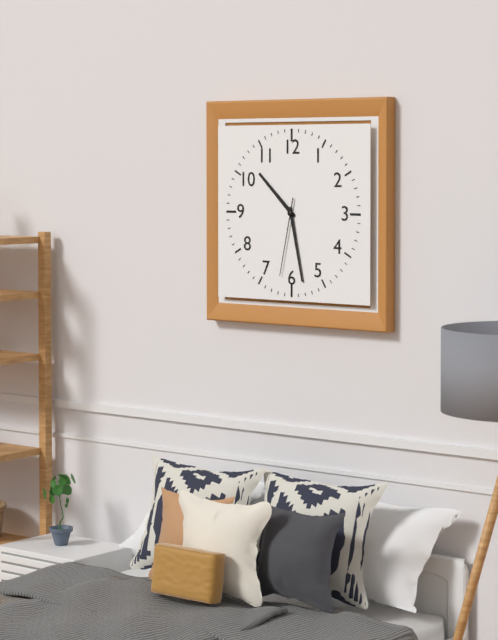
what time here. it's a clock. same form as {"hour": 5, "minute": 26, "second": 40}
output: {"hour": 10, "minute": 28, "second": 32}
